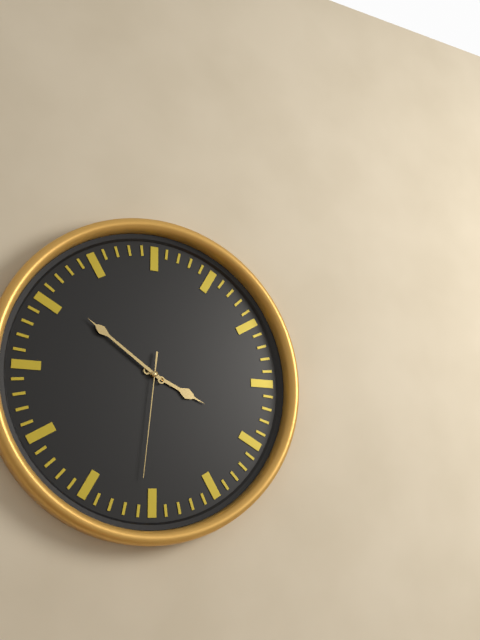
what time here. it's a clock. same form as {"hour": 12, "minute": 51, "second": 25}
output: {"hour": 3, "minute": 51, "second": 31}
